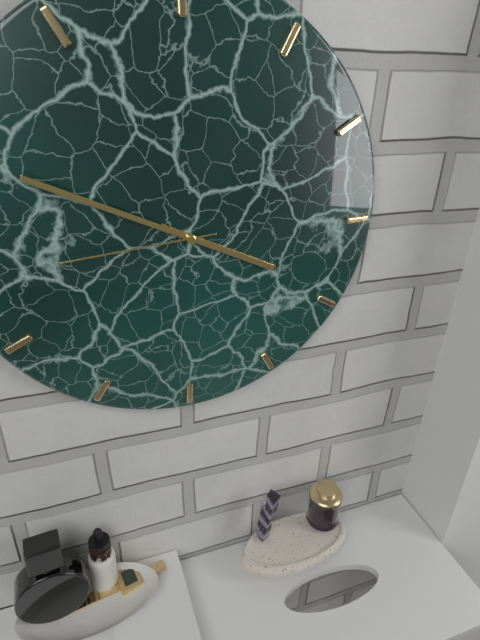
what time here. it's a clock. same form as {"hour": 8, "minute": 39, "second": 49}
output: {"hour": 3, "minute": 49, "second": 44}
